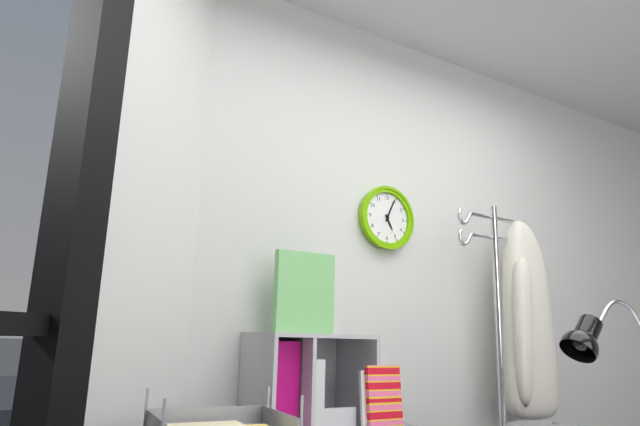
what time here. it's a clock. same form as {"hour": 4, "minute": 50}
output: {"hour": 5, "minute": 4}
